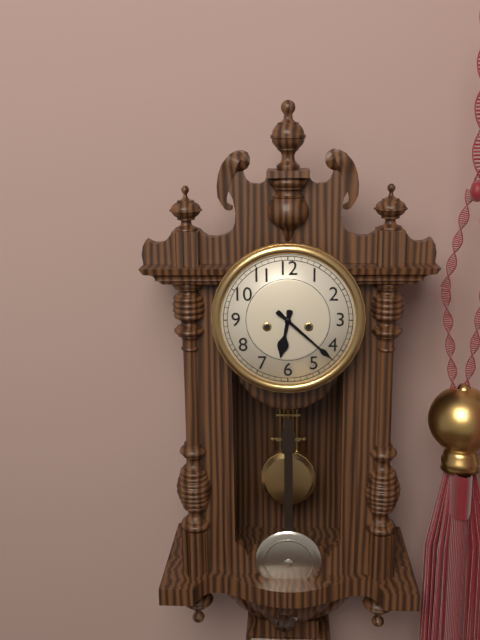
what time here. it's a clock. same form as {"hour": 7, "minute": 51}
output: {"hour": 6, "minute": 22}
